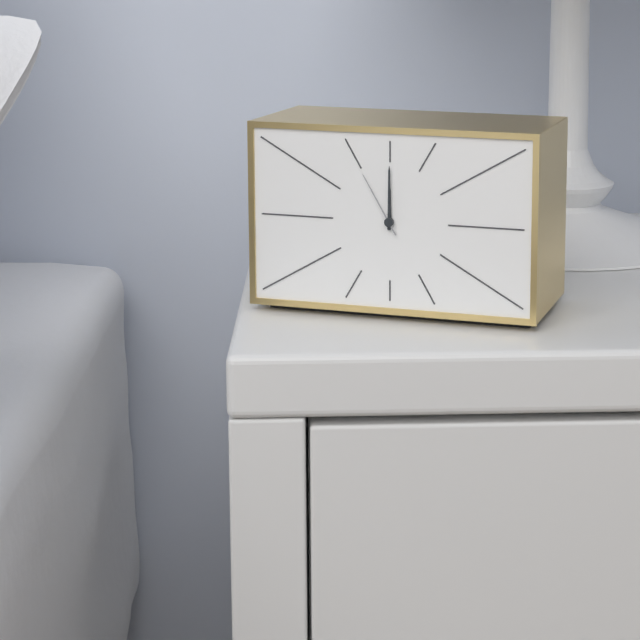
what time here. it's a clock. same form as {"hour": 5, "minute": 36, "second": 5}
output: {"hour": 12, "minute": 0, "second": 55}
